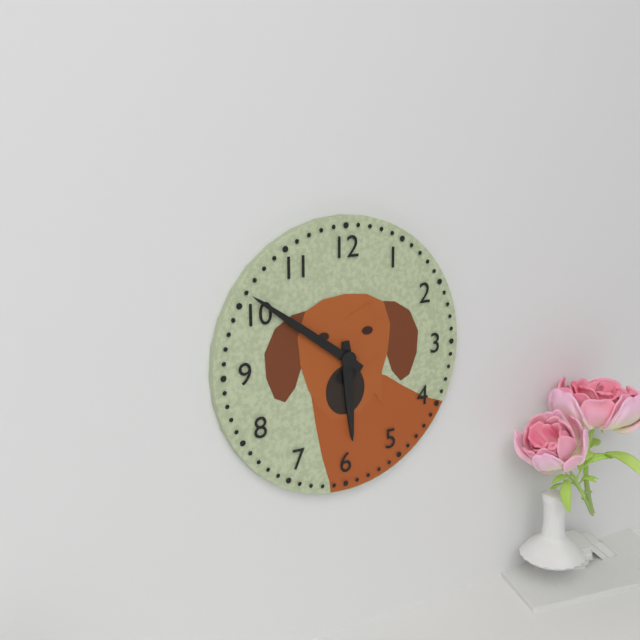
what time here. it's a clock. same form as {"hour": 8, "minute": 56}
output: {"hour": 5, "minute": 51}
